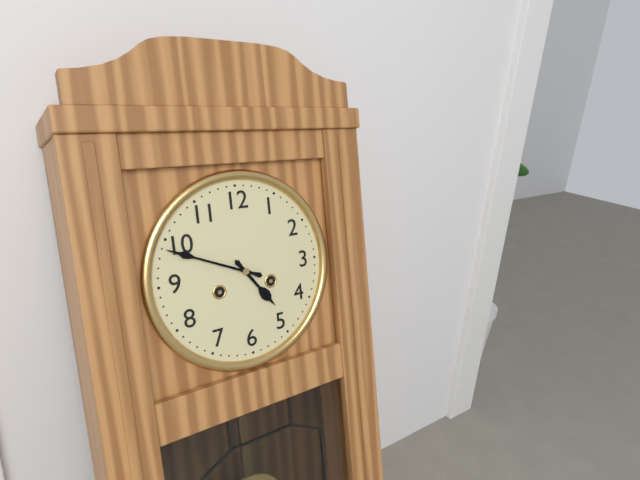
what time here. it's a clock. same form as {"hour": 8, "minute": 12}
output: {"hour": 4, "minute": 49}
